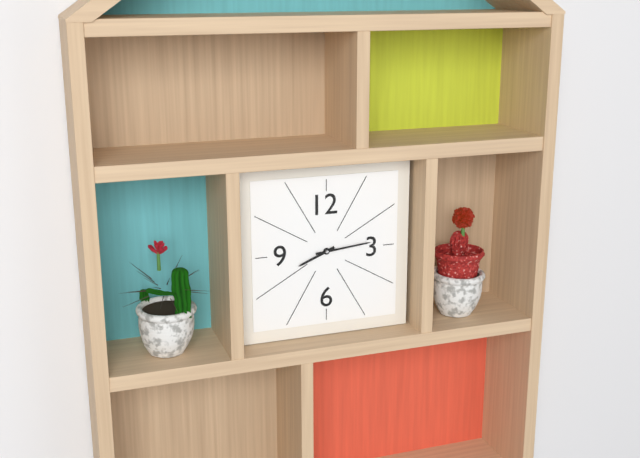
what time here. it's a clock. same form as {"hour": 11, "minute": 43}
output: {"hour": 8, "minute": 14}
